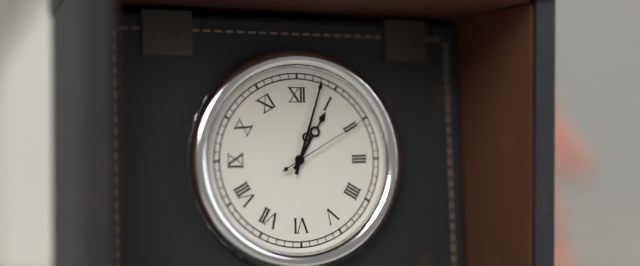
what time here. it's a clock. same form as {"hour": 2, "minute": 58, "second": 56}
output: {"hour": 1, "minute": 3, "second": 10}
